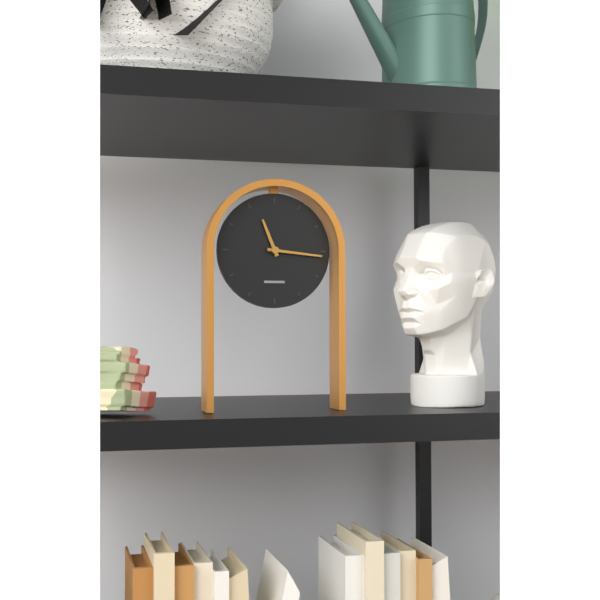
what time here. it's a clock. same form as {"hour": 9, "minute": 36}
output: {"hour": 11, "minute": 16}
